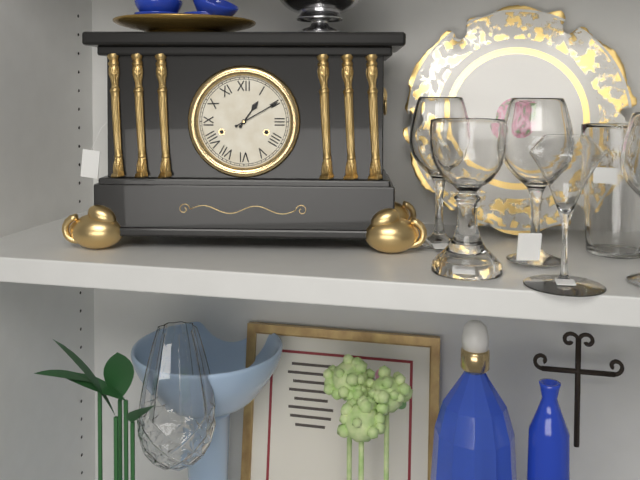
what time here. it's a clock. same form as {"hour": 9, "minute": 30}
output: {"hour": 1, "minute": 10}
